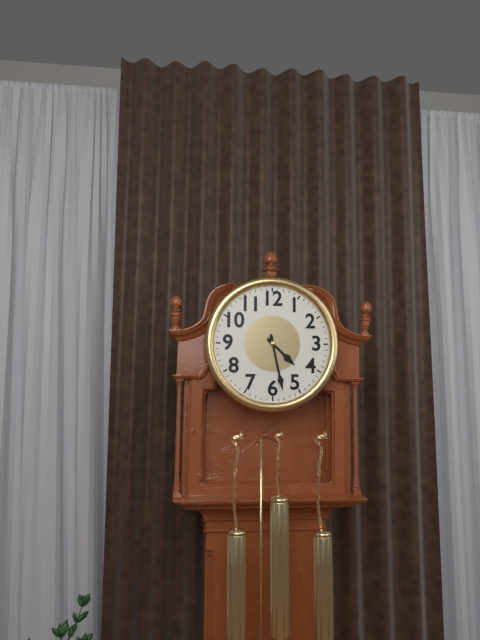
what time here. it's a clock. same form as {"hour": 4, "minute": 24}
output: {"hour": 4, "minute": 28}
